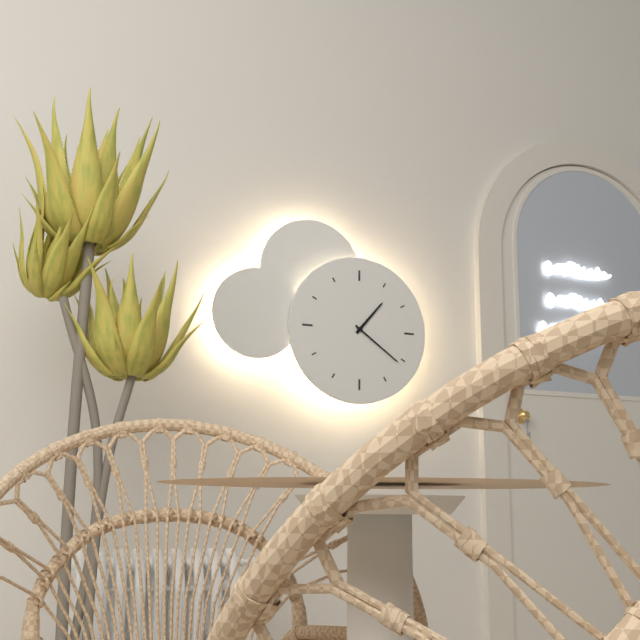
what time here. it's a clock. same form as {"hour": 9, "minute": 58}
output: {"hour": 1, "minute": 21}
